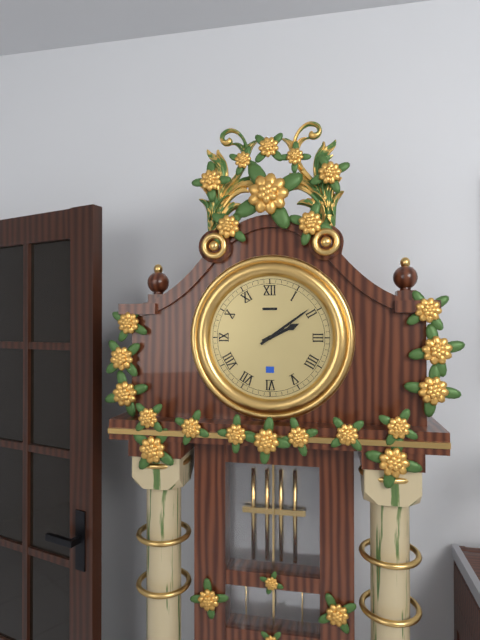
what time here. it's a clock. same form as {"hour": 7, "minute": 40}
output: {"hour": 2, "minute": 9}
